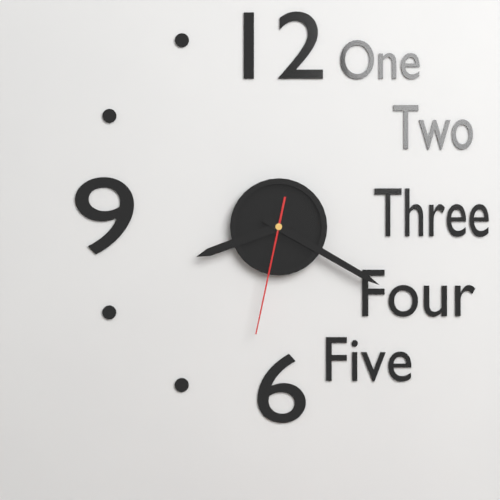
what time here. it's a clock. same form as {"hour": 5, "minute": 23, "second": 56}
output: {"hour": 8, "minute": 20, "second": 32}
